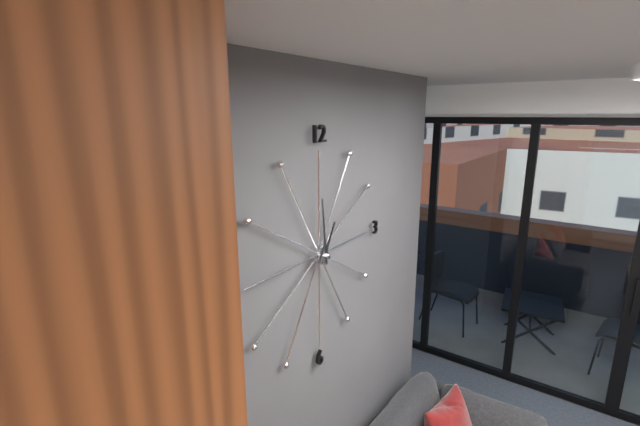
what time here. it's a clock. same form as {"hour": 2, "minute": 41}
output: {"hour": 12, "minute": 59}
